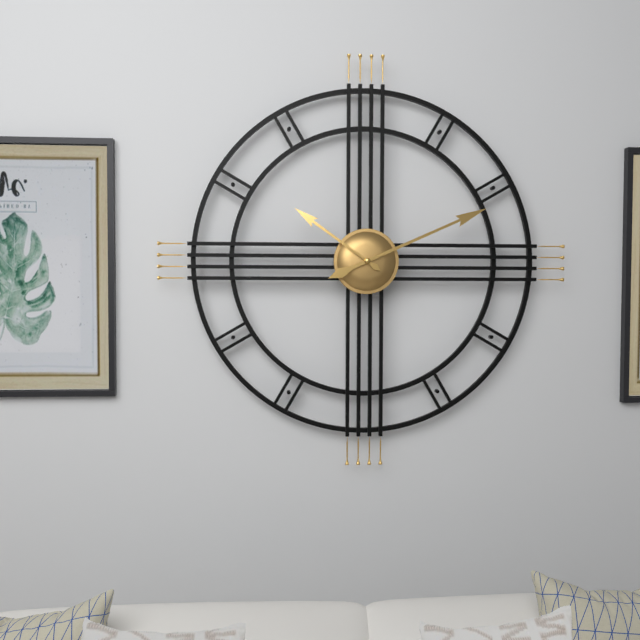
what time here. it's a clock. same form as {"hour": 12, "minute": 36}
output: {"hour": 10, "minute": 11}
